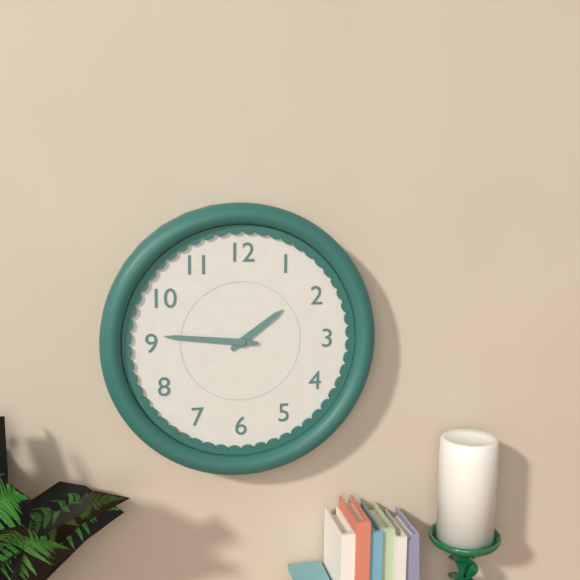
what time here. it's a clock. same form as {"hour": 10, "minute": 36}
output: {"hour": 1, "minute": 46}
